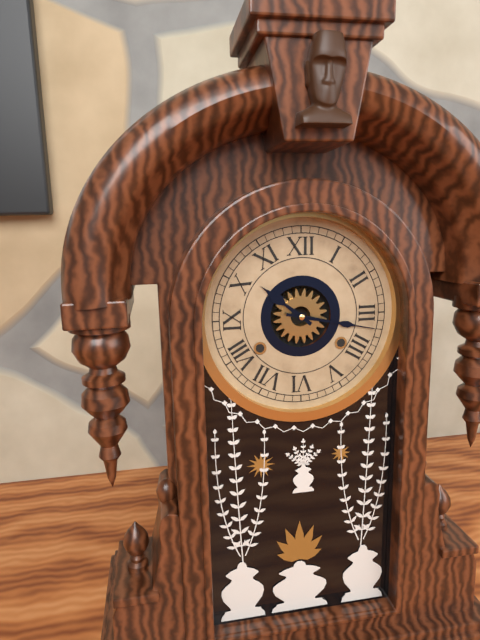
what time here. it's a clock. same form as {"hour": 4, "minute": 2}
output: {"hour": 10, "minute": 17}
